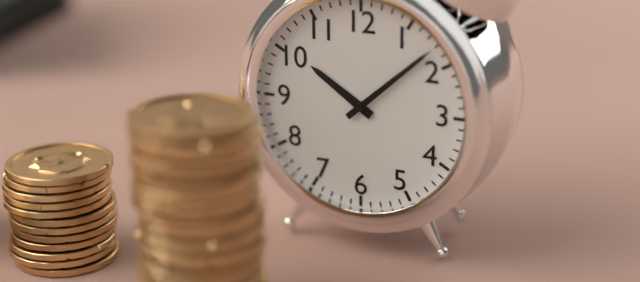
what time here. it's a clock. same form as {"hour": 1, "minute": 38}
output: {"hour": 10, "minute": 8}
